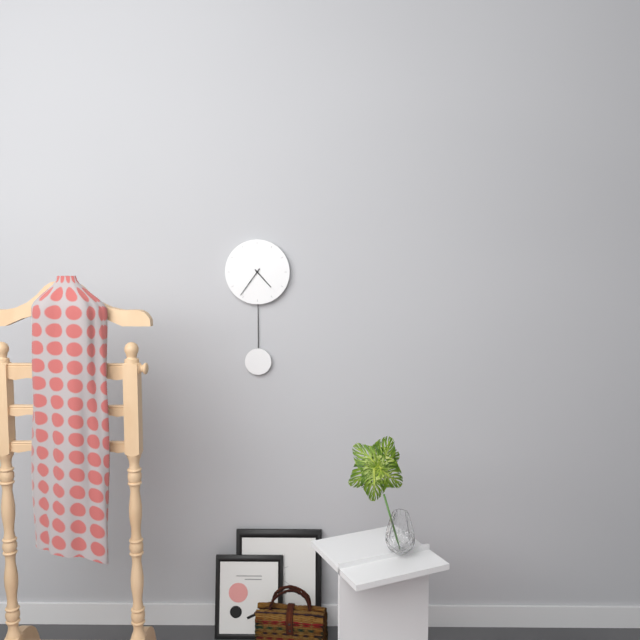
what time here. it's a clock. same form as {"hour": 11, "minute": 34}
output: {"hour": 4, "minute": 36}
